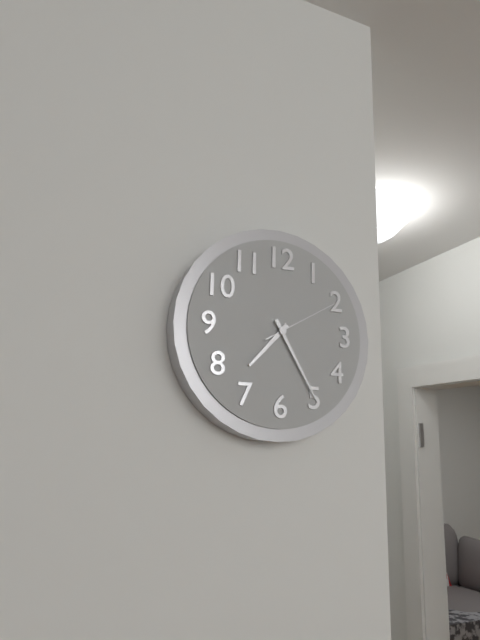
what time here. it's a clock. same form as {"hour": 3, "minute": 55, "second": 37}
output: {"hour": 7, "minute": 25, "second": 10}
